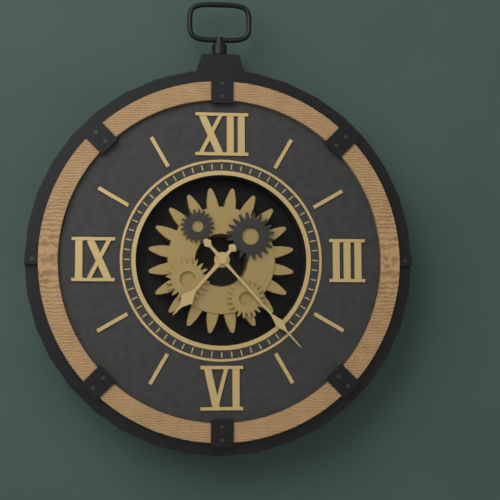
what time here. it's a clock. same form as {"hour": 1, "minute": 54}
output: {"hour": 7, "minute": 23}
